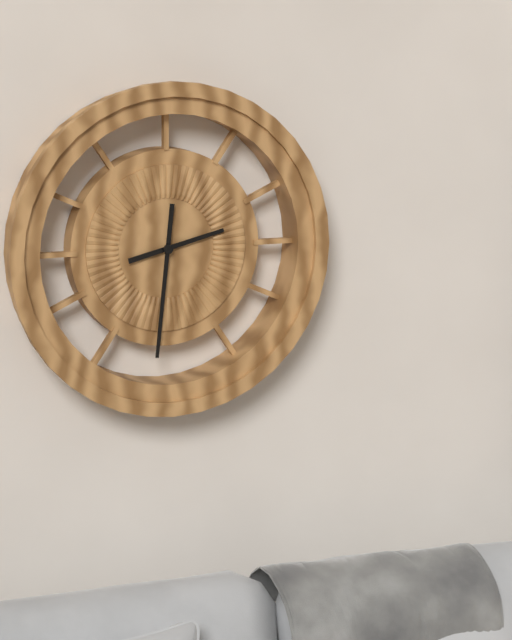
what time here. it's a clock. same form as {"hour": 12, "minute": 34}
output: {"hour": 2, "minute": 31}
